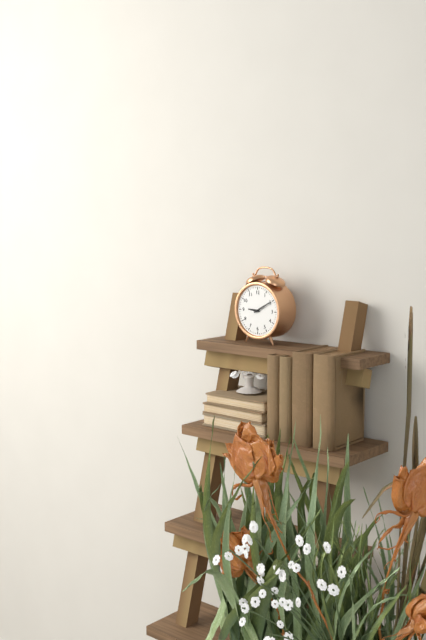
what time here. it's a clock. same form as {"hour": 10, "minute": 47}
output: {"hour": 9, "minute": 10}
